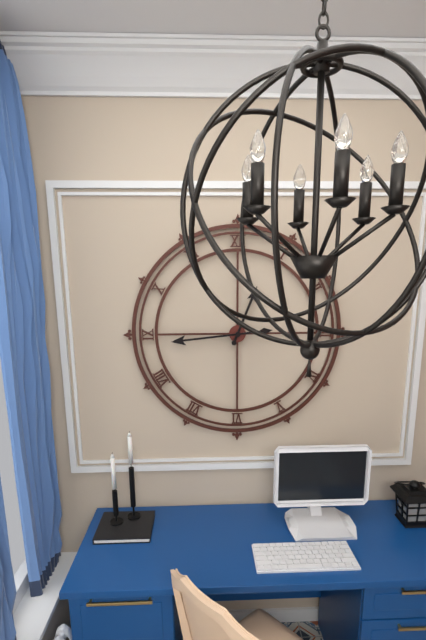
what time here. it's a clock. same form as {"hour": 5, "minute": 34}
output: {"hour": 12, "minute": 44}
